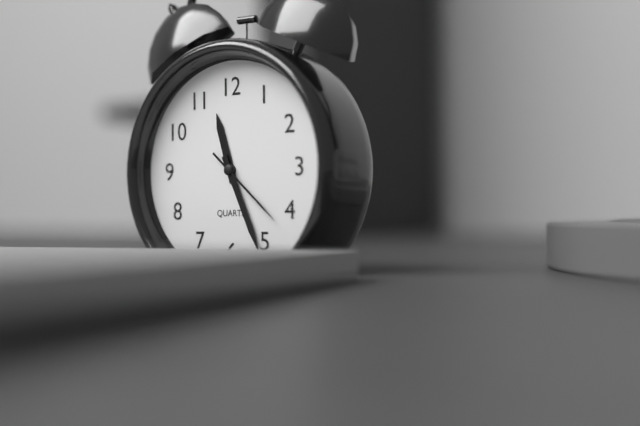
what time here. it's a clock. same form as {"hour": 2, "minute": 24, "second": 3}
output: {"hour": 11, "minute": 26, "second": 22}
